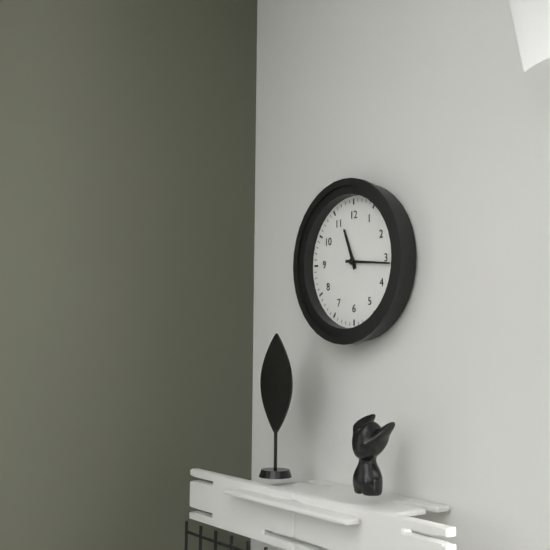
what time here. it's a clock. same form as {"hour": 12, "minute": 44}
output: {"hour": 11, "minute": 16}
